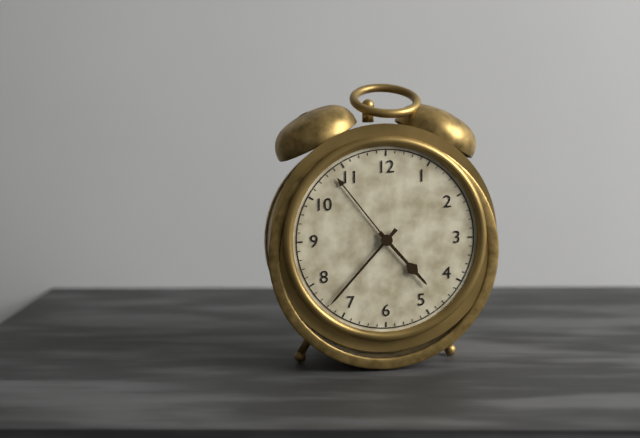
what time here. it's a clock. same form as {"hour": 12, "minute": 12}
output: {"hour": 4, "minute": 37}
